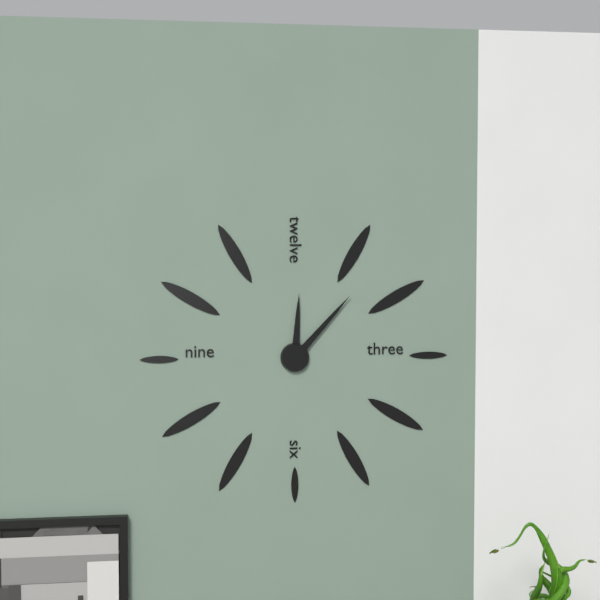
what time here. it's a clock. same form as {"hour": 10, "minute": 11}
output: {"hour": 12, "minute": 7}
